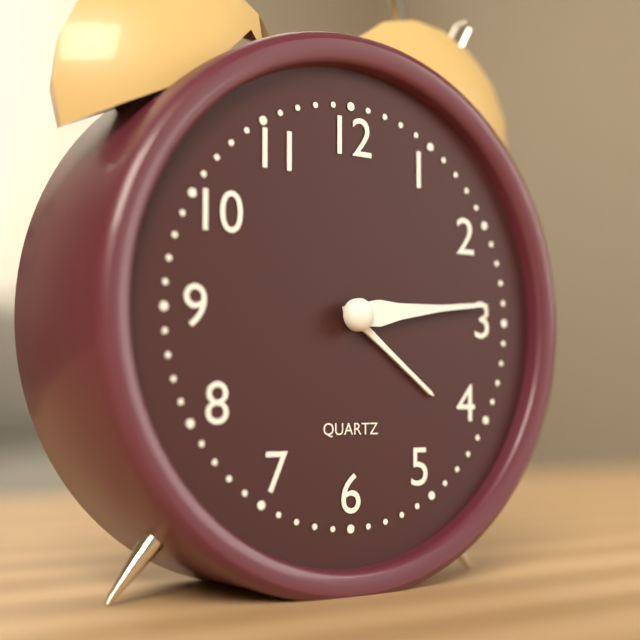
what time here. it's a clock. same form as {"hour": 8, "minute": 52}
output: {"hour": 4, "minute": 14}
